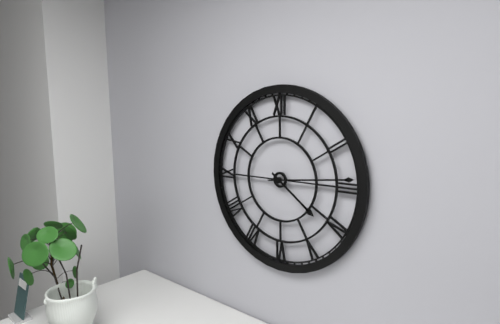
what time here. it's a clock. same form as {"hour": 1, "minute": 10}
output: {"hour": 4, "minute": 14}
